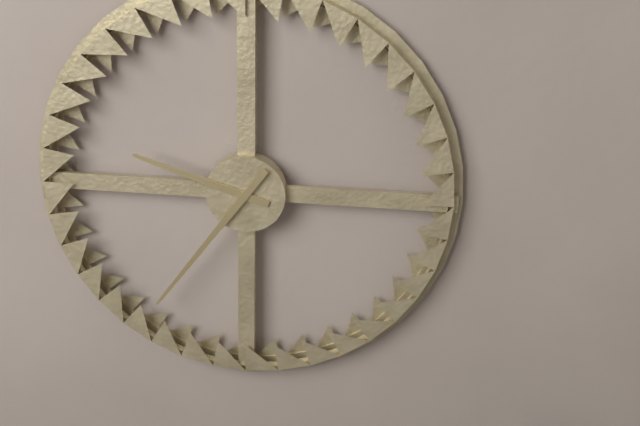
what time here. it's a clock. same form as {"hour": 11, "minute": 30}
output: {"hour": 9, "minute": 36}
